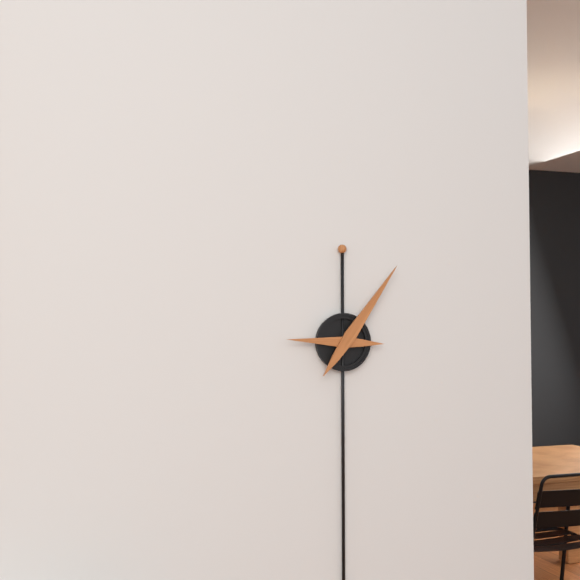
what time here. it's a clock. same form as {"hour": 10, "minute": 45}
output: {"hour": 9, "minute": 6}
